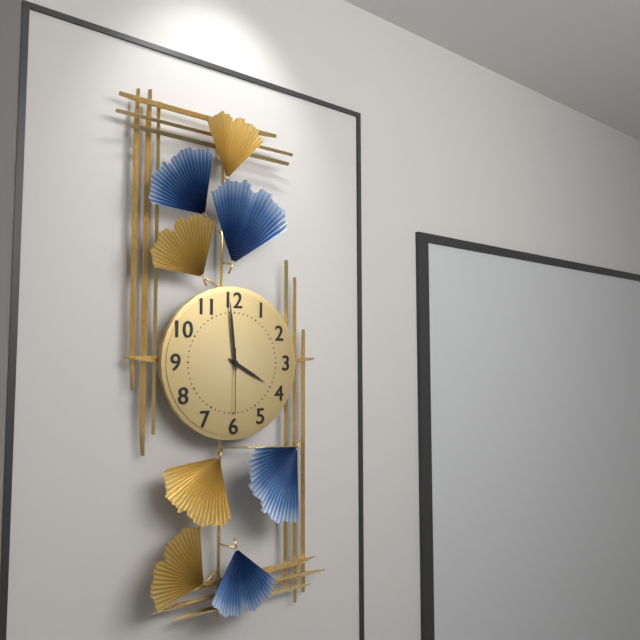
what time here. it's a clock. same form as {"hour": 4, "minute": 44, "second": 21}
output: {"hour": 3, "minute": 59, "second": 30}
